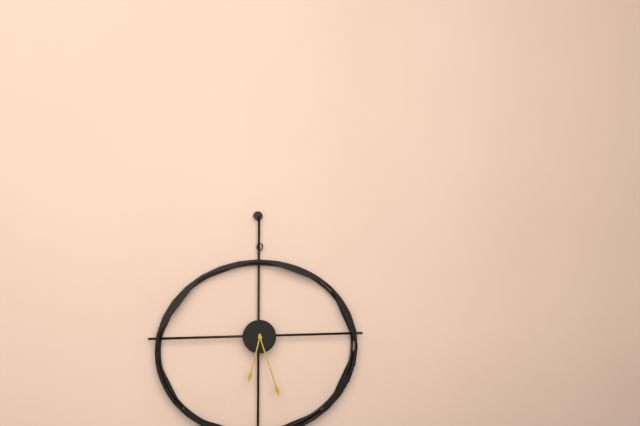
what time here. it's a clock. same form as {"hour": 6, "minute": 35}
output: {"hour": 6, "minute": 27}
